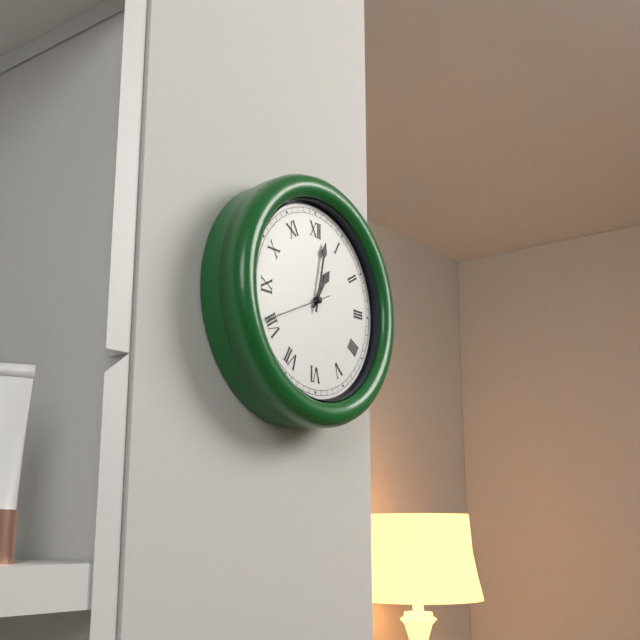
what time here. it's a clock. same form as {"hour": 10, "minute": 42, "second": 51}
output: {"hour": 1, "minute": 2, "second": 41}
